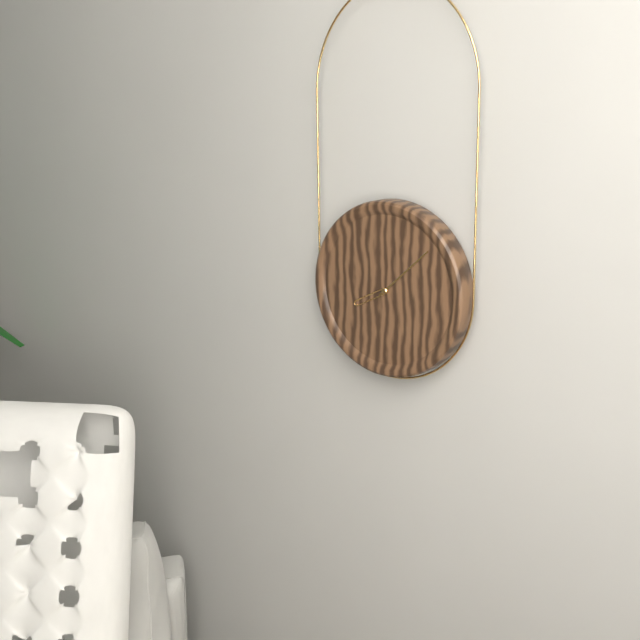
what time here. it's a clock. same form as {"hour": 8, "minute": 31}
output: {"hour": 8, "minute": 8}
